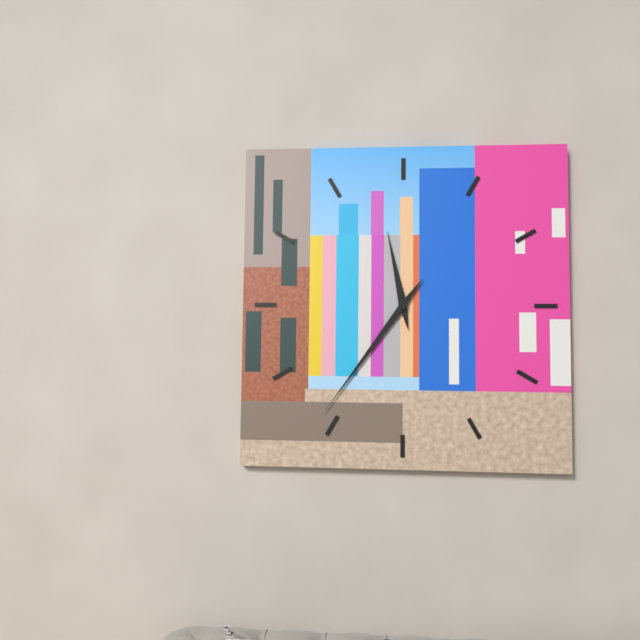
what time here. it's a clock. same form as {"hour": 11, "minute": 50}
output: {"hour": 11, "minute": 36}
